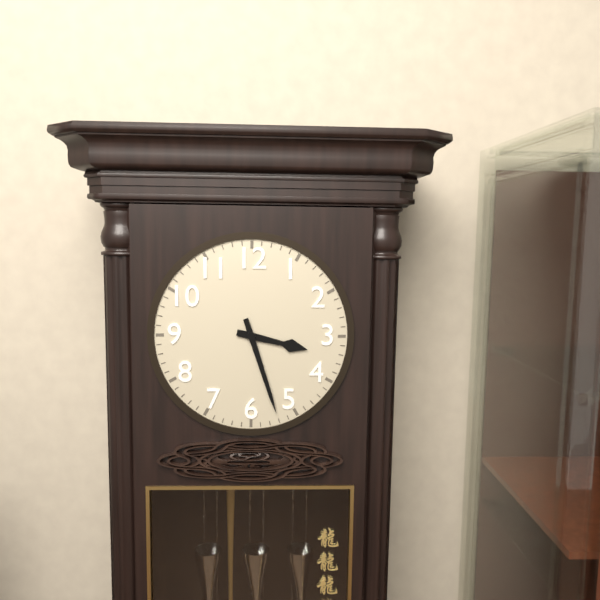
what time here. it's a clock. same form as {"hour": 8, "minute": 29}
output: {"hour": 3, "minute": 27}
